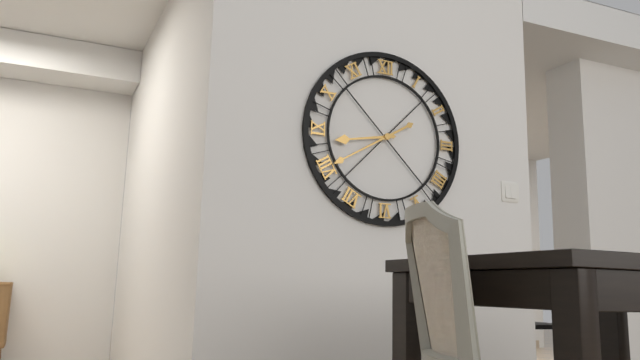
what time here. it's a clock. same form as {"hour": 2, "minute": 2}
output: {"hour": 8, "minute": 40}
